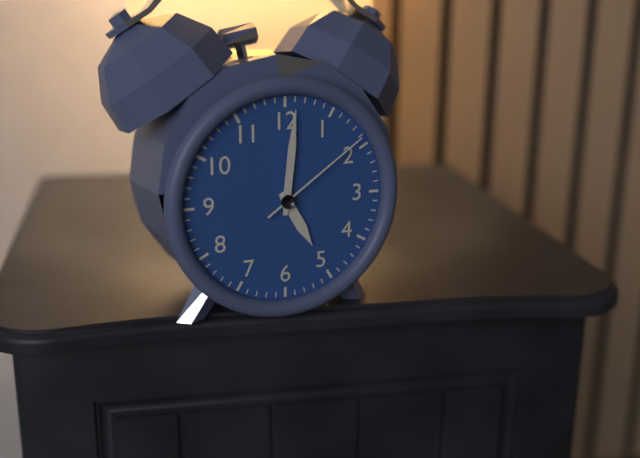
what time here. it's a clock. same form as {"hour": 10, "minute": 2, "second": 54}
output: {"hour": 5, "minute": 1, "second": 9}
